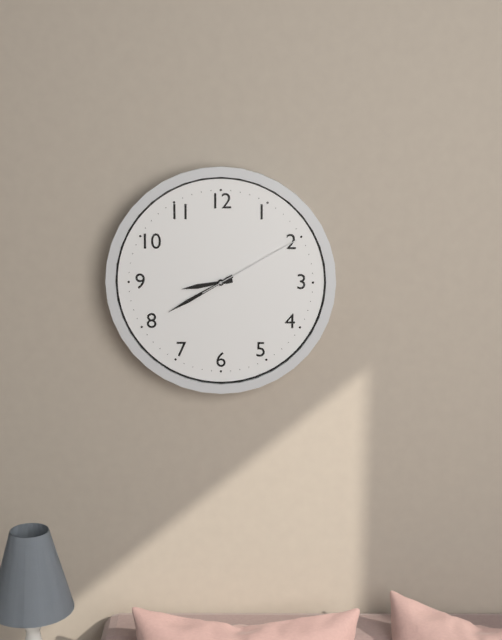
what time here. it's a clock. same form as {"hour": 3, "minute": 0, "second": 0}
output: {"hour": 8, "minute": 40, "second": 10}
